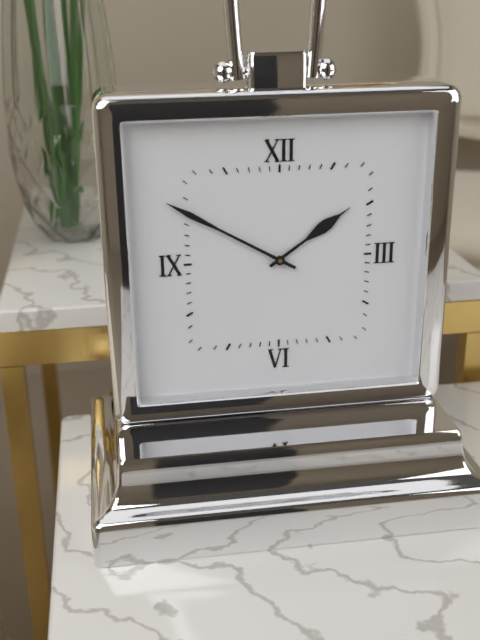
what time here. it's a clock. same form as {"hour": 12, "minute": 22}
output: {"hour": 1, "minute": 50}
